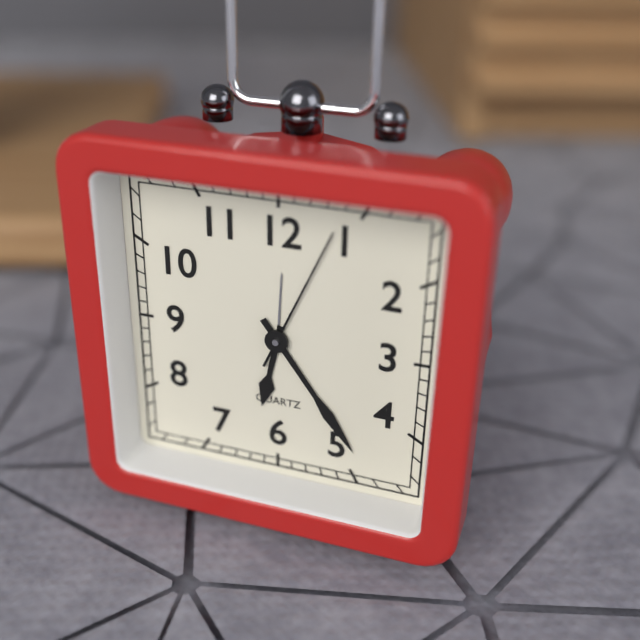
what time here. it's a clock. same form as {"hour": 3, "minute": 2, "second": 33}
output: {"hour": 6, "minute": 24, "second": 4}
